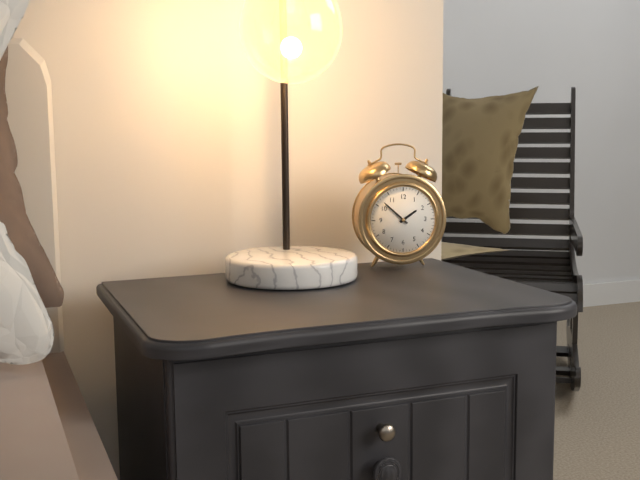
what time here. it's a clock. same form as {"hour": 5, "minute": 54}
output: {"hour": 1, "minute": 52}
